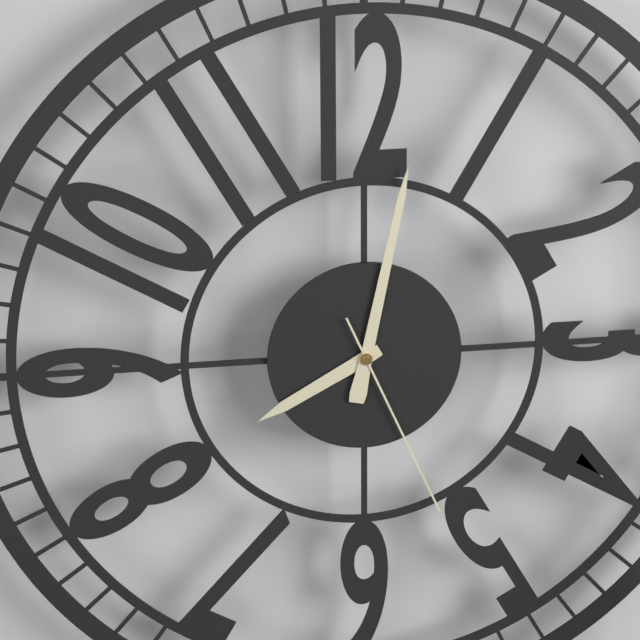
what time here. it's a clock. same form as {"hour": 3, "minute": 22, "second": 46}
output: {"hour": 8, "minute": 2, "second": 26}
